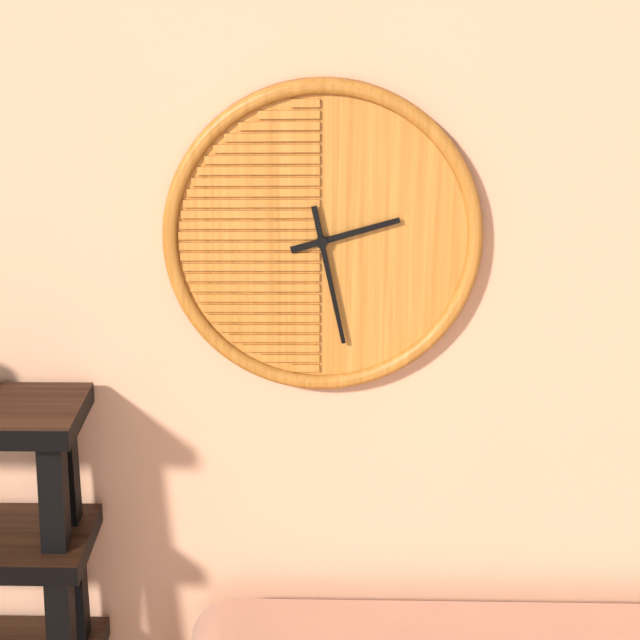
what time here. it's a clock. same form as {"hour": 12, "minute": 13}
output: {"hour": 2, "minute": 28}
